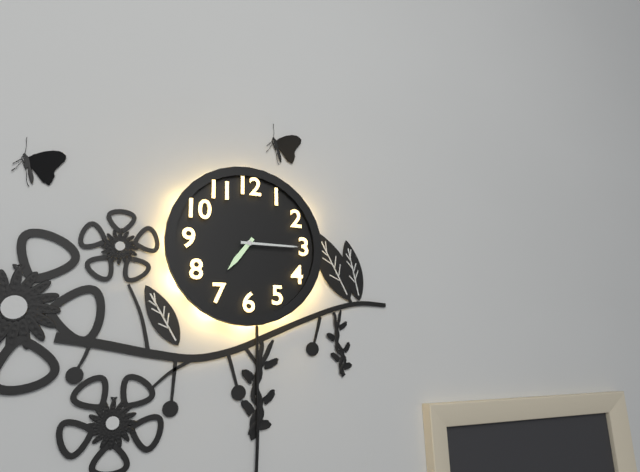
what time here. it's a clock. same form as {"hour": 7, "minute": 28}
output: {"hour": 7, "minute": 15}
